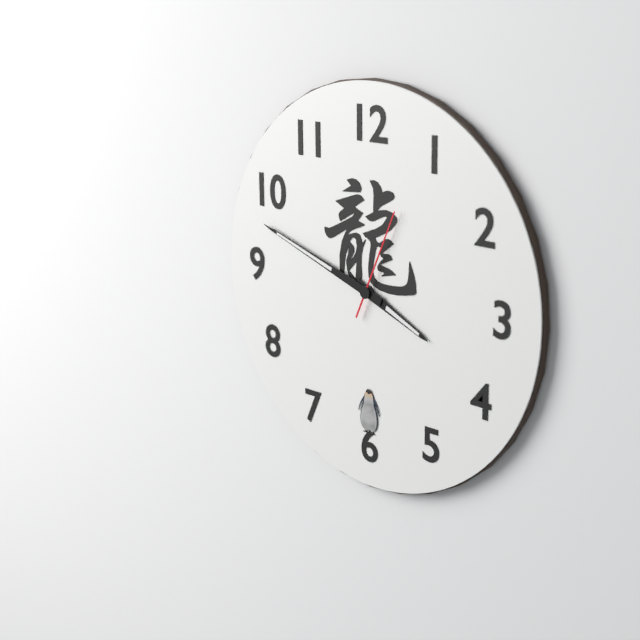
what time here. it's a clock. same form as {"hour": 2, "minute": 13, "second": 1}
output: {"hour": 3, "minute": 48, "second": 4}
